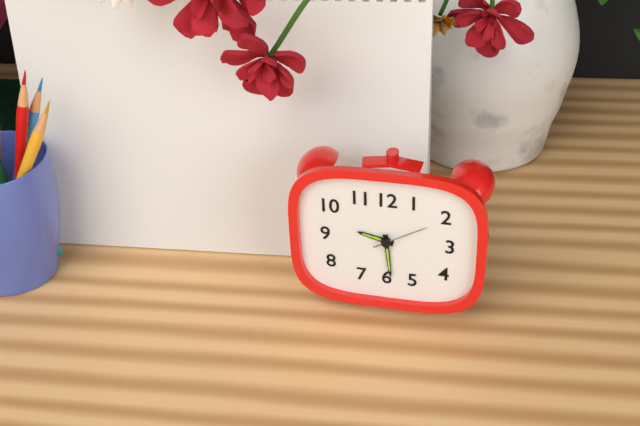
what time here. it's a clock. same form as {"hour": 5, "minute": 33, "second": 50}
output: {"hour": 9, "minute": 29, "second": 10}
